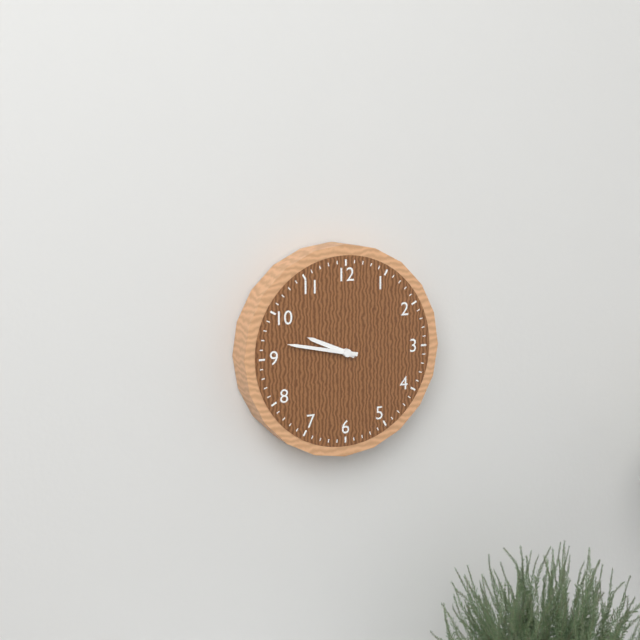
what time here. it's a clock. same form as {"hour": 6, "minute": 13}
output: {"hour": 9, "minute": 47}
